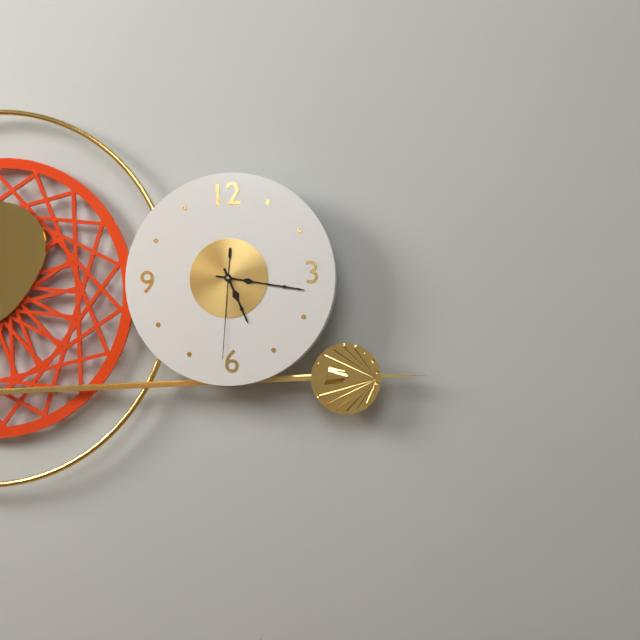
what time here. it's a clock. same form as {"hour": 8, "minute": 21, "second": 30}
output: {"hour": 5, "minute": 17, "second": 31}
